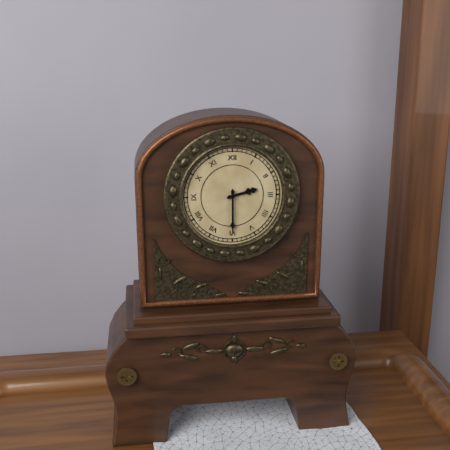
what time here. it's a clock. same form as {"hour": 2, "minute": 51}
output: {"hour": 2, "minute": 30}
